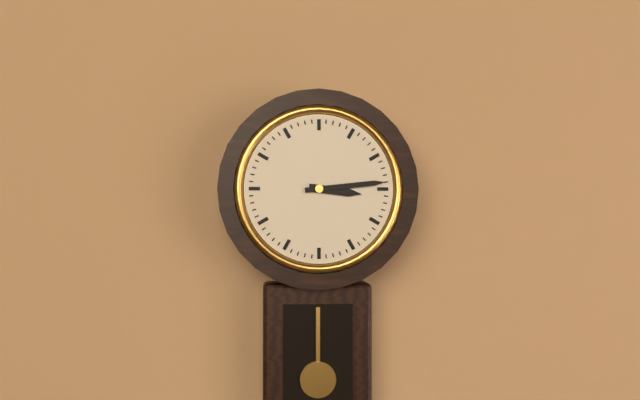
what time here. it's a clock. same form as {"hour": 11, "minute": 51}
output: {"hour": 3, "minute": 14}
